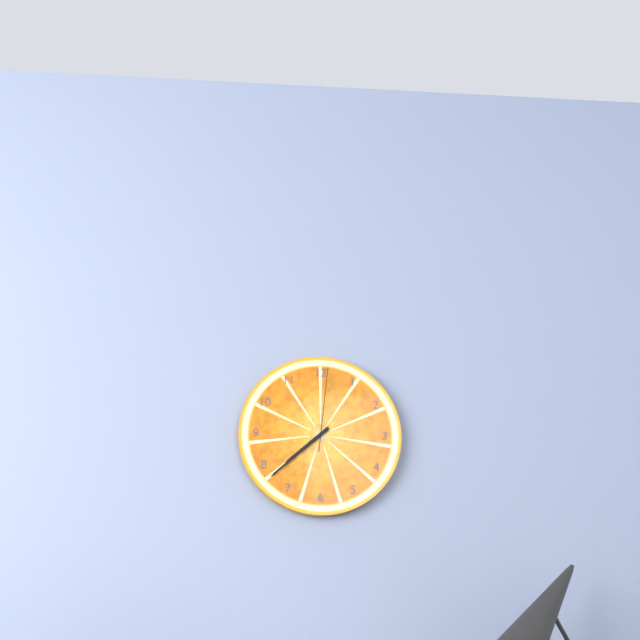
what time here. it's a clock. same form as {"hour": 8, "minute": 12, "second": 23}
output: {"hour": 7, "minute": 38, "second": 1}
